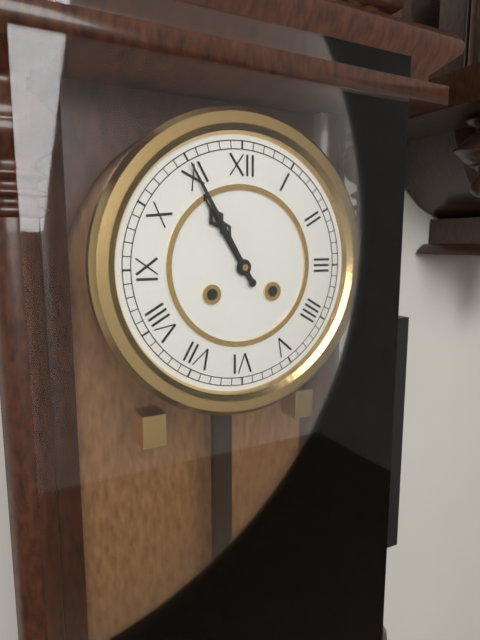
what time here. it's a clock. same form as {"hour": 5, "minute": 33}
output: {"hour": 10, "minute": 55}
